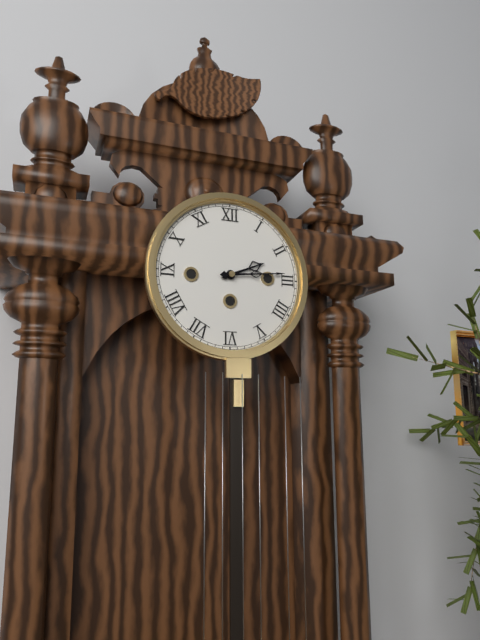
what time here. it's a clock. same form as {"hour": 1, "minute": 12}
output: {"hour": 2, "minute": 14}
